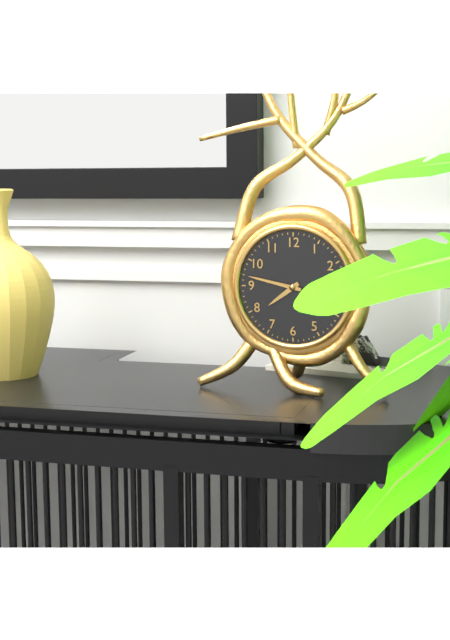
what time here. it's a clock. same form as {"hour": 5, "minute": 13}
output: {"hour": 7, "minute": 47}
